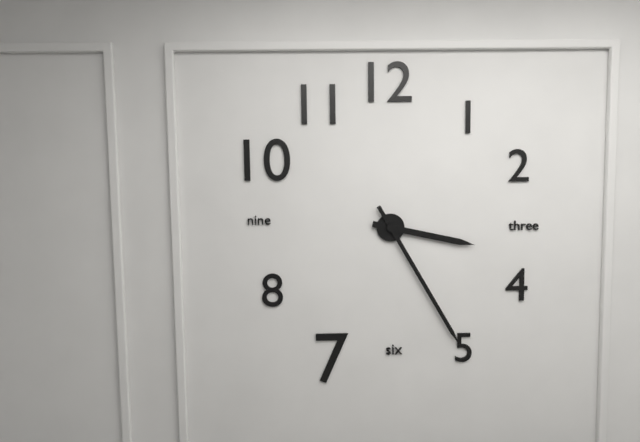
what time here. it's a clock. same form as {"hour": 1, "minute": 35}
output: {"hour": 3, "minute": 25}
